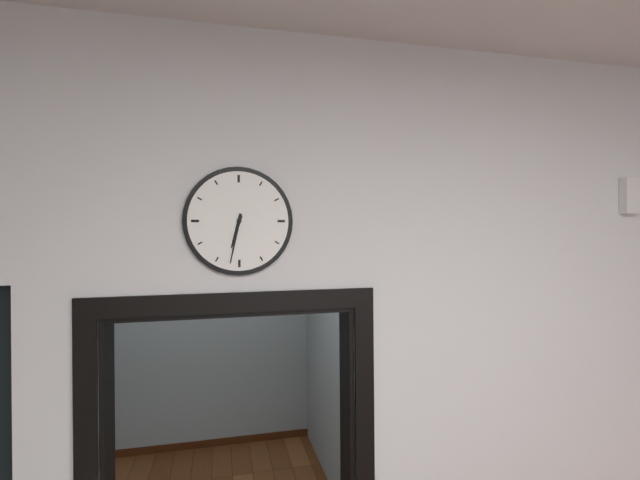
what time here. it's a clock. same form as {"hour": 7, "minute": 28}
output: {"hour": 6, "minute": 32}
